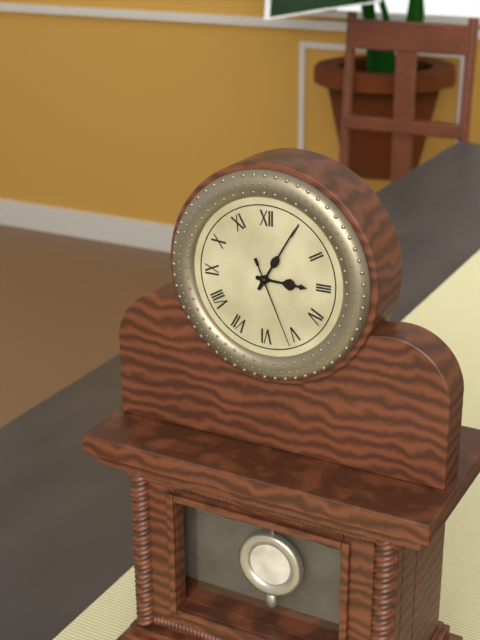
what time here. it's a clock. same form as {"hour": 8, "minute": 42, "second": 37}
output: {"hour": 3, "minute": 5, "second": 26}
